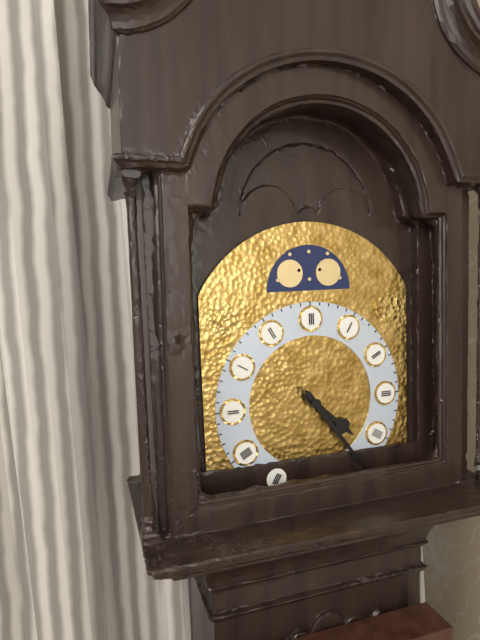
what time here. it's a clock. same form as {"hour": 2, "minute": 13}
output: {"hour": 4, "minute": 24}
